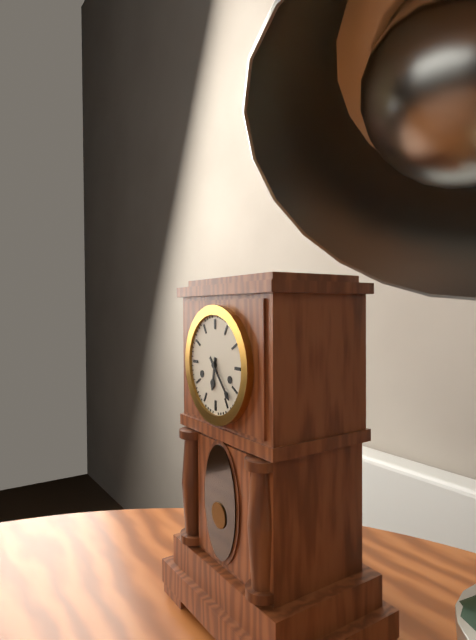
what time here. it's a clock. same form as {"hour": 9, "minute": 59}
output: {"hour": 6, "minute": 23}
